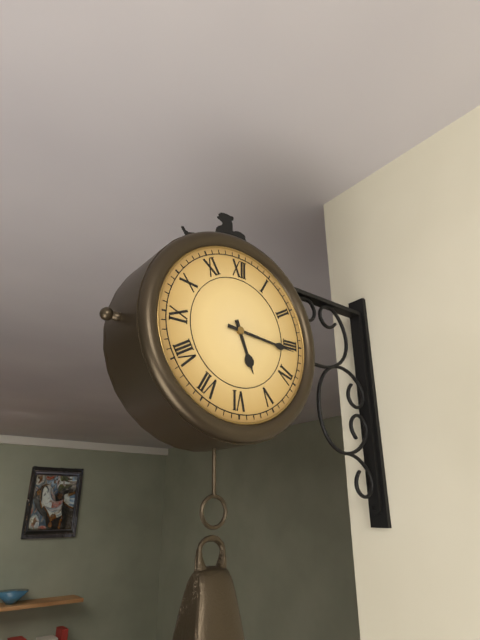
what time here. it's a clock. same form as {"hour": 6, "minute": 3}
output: {"hour": 5, "minute": 16}
